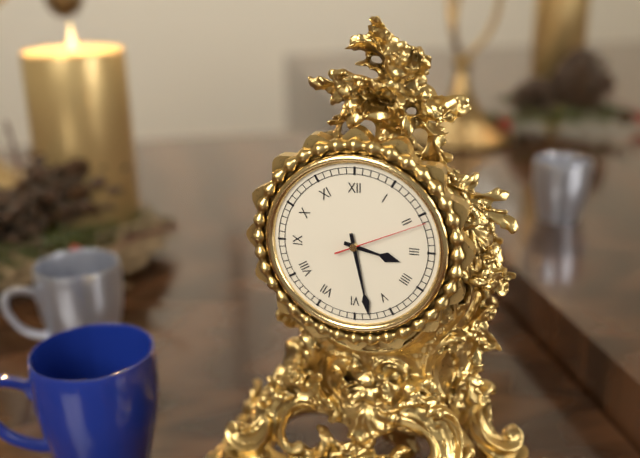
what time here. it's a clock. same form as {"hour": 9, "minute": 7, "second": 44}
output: {"hour": 3, "minute": 28, "second": 11}
